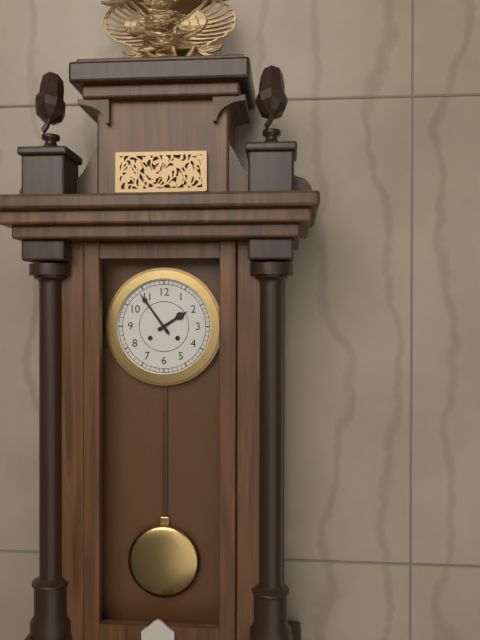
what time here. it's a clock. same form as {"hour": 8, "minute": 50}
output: {"hour": 1, "minute": 54}
